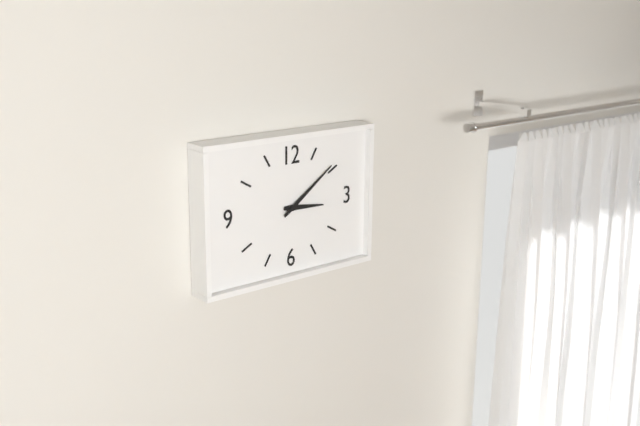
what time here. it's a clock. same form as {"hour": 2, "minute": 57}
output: {"hour": 3, "minute": 9}
